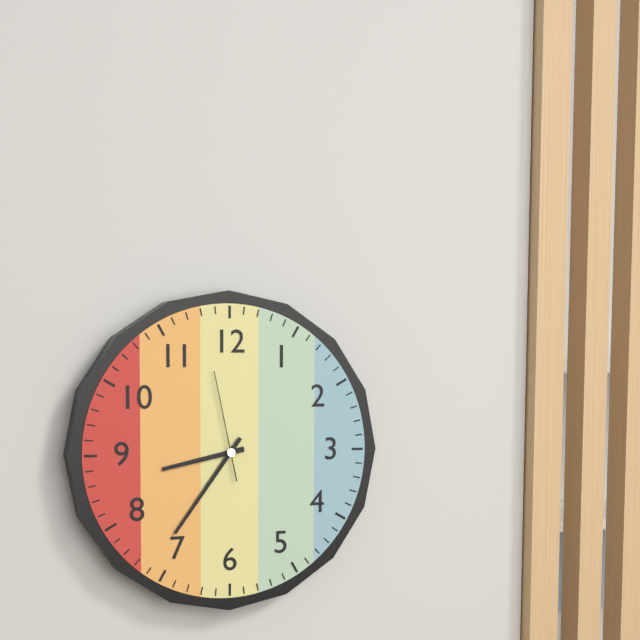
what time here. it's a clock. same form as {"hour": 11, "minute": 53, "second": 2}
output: {"hour": 8, "minute": 36, "second": 58}
